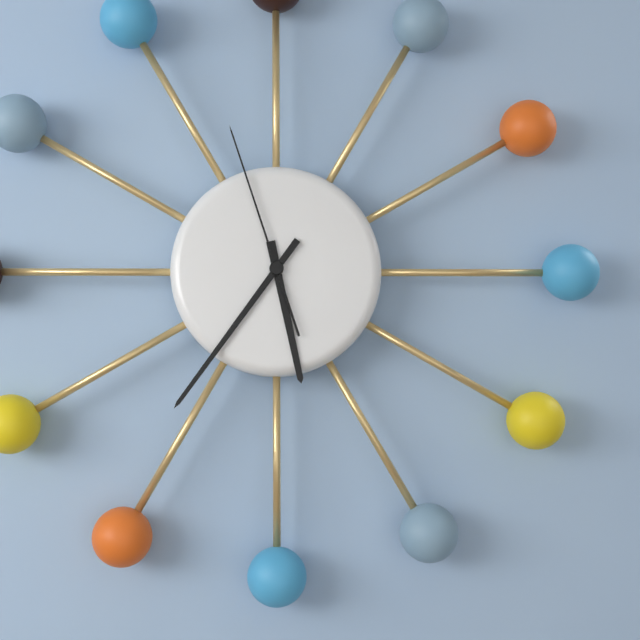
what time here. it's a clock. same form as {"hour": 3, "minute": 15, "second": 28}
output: {"hour": 5, "minute": 36, "second": 57}
